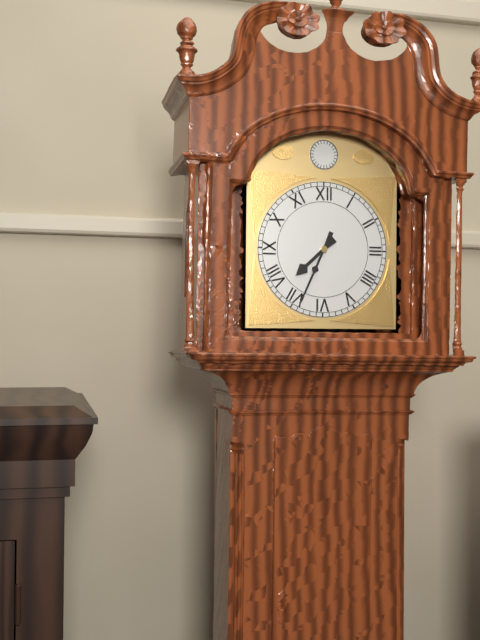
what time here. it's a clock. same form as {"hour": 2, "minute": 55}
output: {"hour": 7, "minute": 34}
